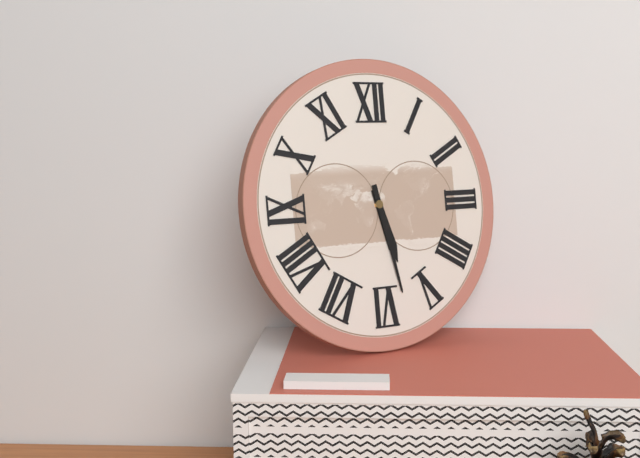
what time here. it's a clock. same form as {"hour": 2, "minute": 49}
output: {"hour": 5, "minute": 28}
